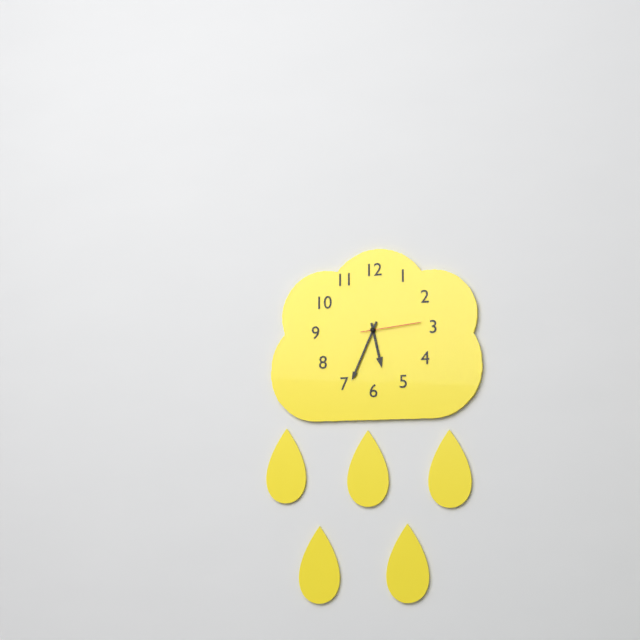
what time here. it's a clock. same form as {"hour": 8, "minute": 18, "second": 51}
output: {"hour": 5, "minute": 34, "second": 14}
